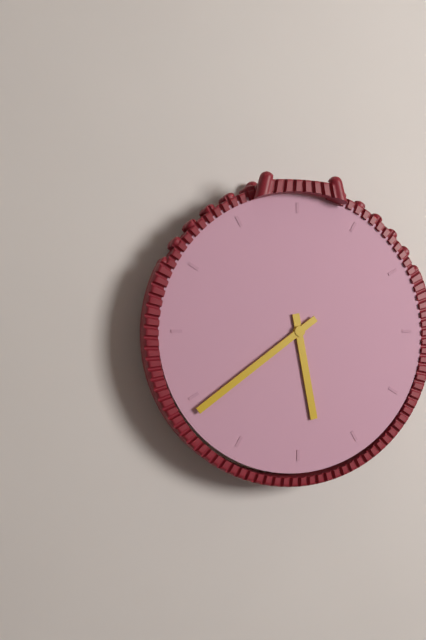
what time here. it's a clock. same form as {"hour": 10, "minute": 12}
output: {"hour": 5, "minute": 39}
